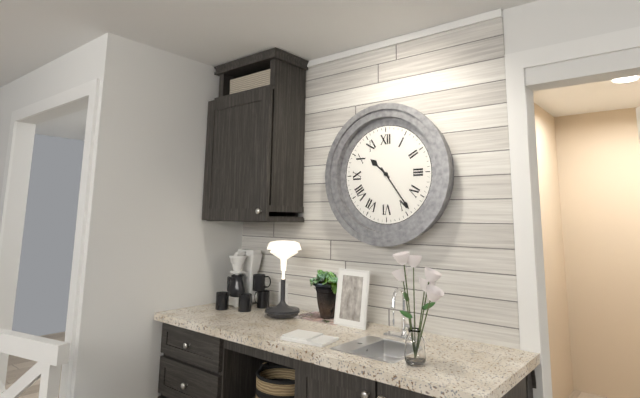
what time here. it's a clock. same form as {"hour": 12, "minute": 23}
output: {"hour": 10, "minute": 24}
